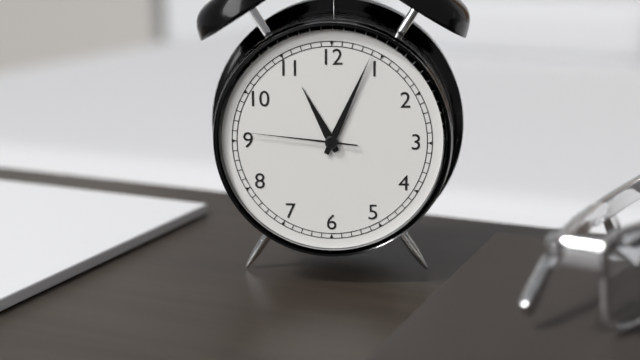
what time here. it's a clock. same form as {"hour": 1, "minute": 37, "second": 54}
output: {"hour": 11, "minute": 4, "second": 46}
